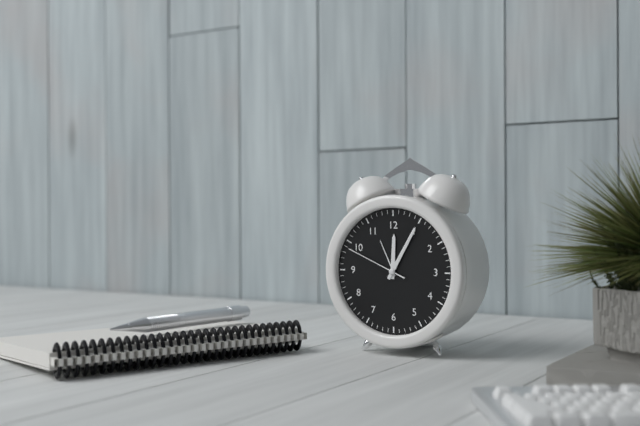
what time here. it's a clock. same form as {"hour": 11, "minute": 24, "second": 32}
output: {"hour": 12, "minute": 5, "second": 49}
